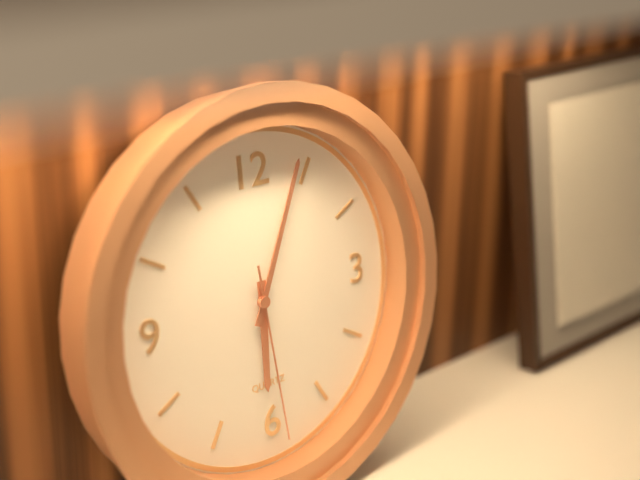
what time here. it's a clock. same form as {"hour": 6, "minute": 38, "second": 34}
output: {"hour": 6, "minute": 4, "second": 29}
